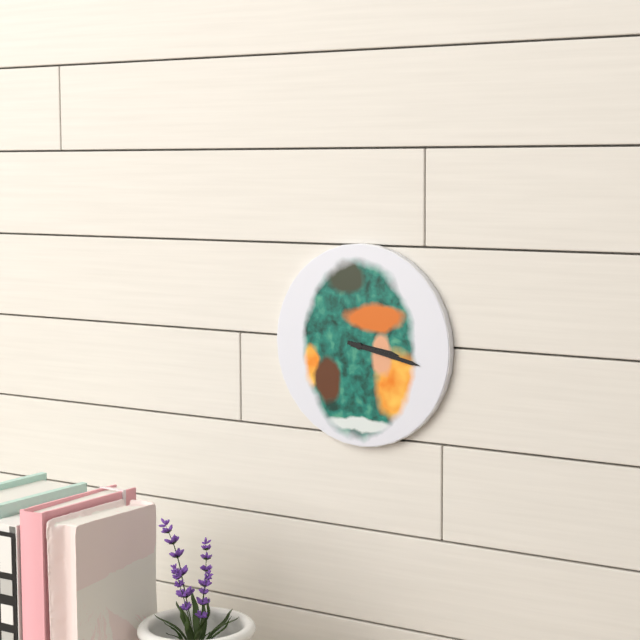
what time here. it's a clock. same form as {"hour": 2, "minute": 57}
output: {"hour": 3, "minute": 17}
